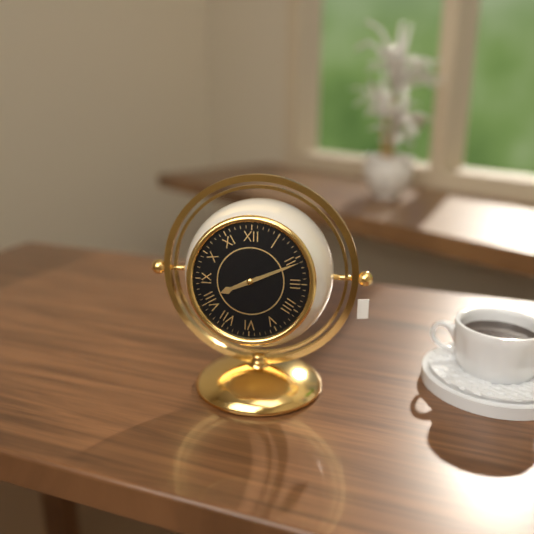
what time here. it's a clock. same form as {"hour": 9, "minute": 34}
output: {"hour": 8, "minute": 11}
